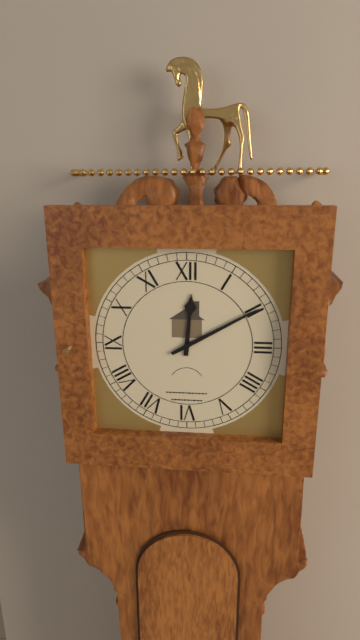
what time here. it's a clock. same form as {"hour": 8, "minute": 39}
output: {"hour": 12, "minute": 10}
